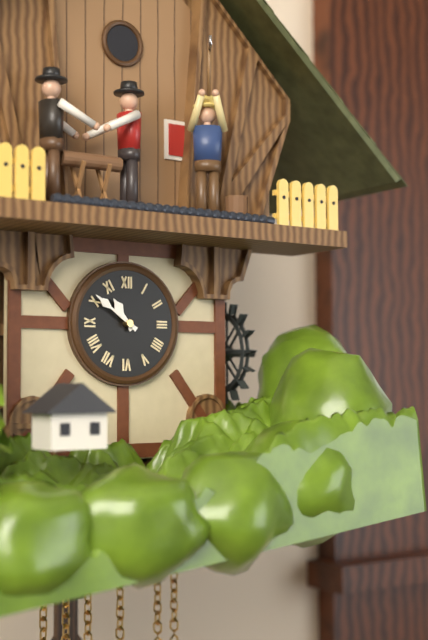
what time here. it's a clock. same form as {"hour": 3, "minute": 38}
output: {"hour": 10, "minute": 51}
